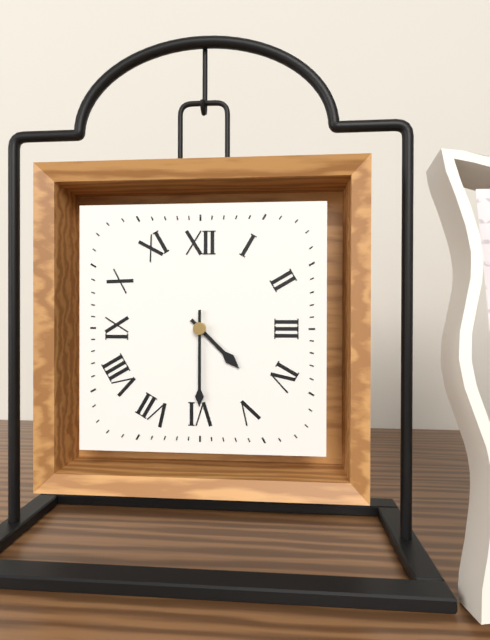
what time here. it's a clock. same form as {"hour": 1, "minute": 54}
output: {"hour": 4, "minute": 30}
